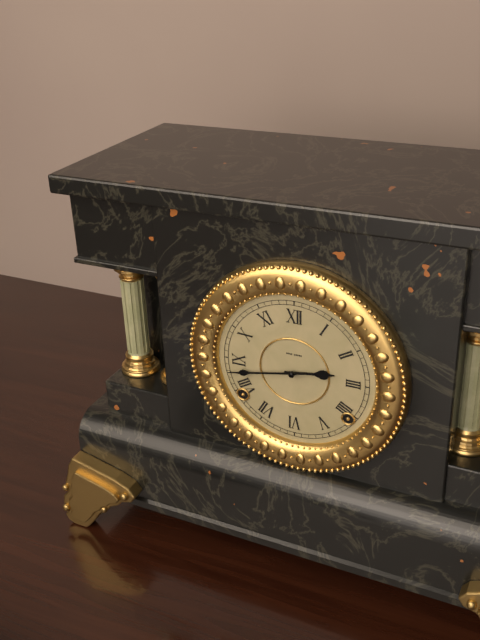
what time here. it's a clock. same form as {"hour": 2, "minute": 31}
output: {"hour": 2, "minute": 43}
